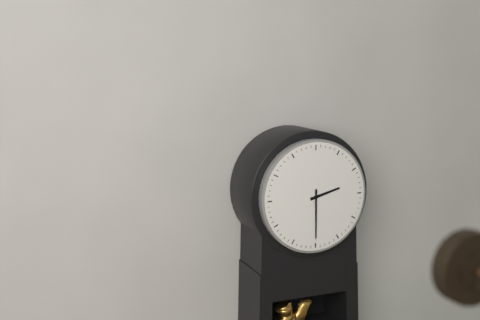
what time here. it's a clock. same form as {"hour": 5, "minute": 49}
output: {"hour": 2, "minute": 30}
